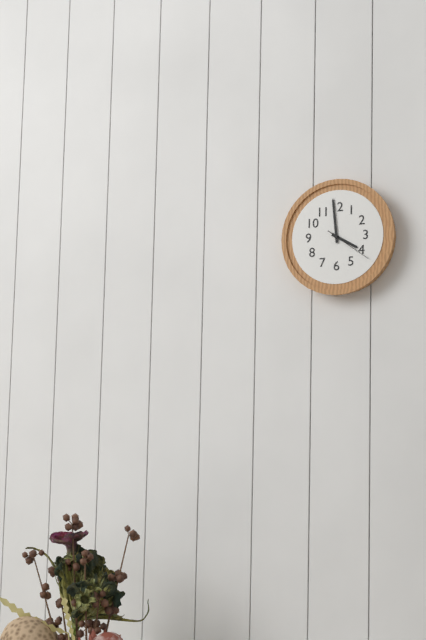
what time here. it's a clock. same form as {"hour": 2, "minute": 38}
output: {"hour": 3, "minute": 59}
